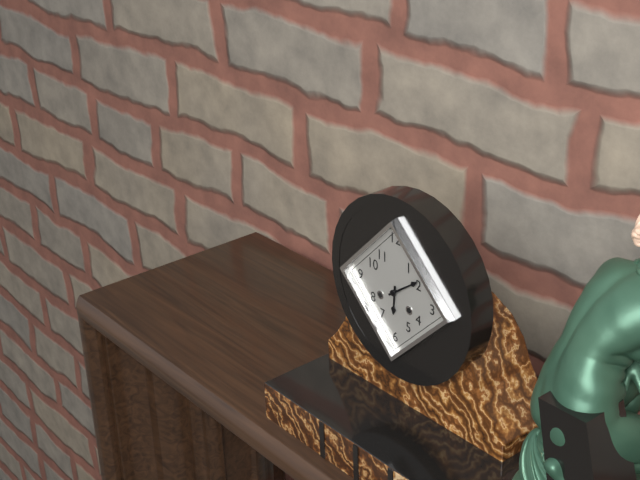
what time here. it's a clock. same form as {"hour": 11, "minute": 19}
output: {"hour": 6, "minute": 9}
